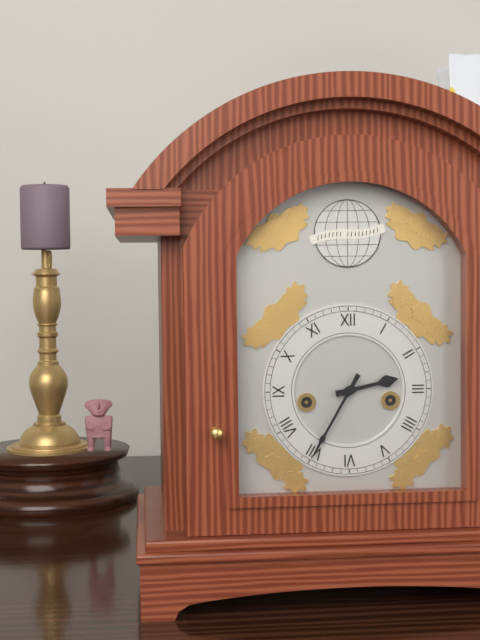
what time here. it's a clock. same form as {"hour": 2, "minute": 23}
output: {"hour": 2, "minute": 35}
